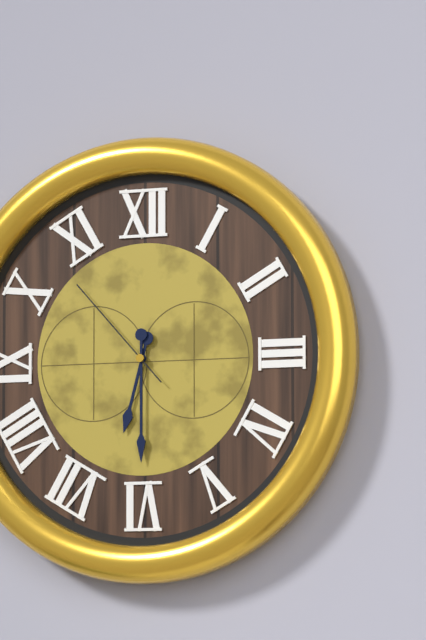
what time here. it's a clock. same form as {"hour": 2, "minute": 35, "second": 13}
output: {"hour": 6, "minute": 30, "second": 53}
